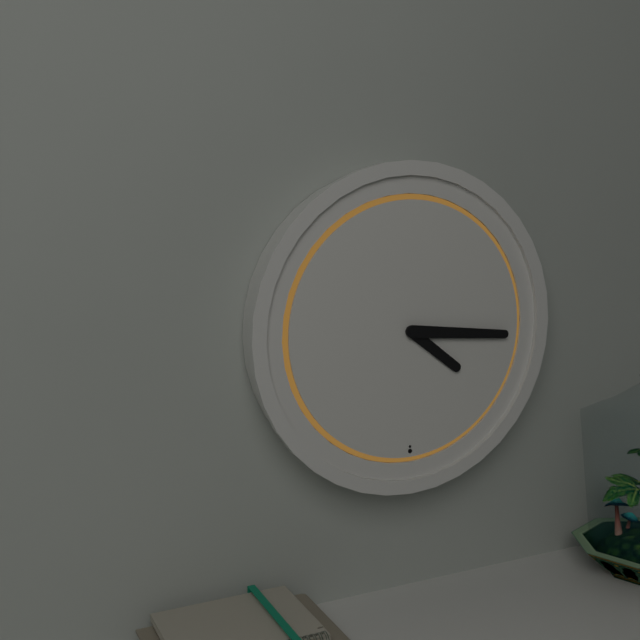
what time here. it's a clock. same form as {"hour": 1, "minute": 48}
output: {"hour": 4, "minute": 16}
